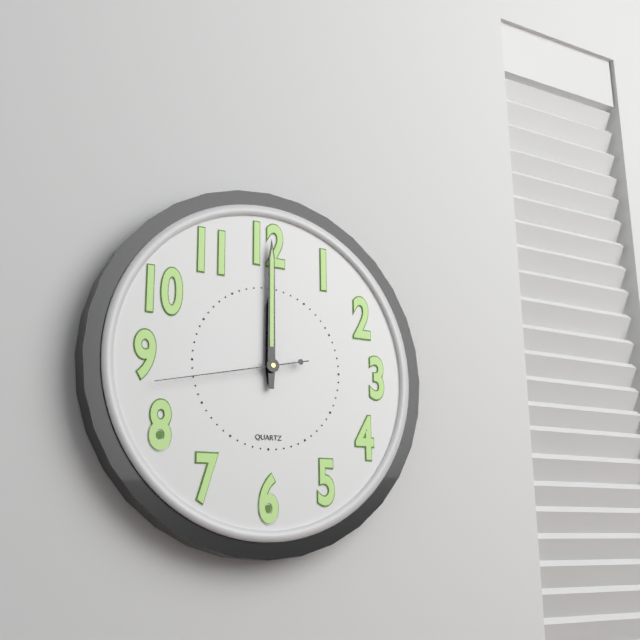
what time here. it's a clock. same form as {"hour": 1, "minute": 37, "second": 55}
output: {"hour": 12, "minute": 0, "second": 43}
